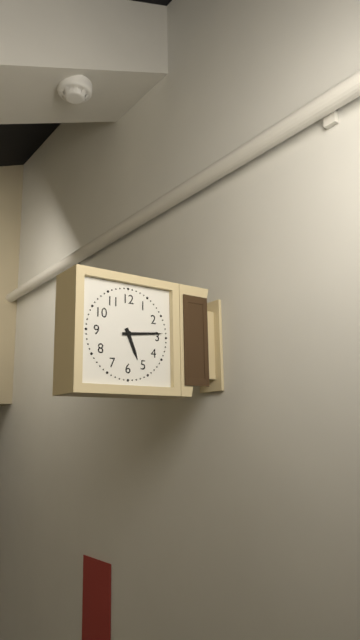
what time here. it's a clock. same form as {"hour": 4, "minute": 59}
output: {"hour": 5, "minute": 14}
